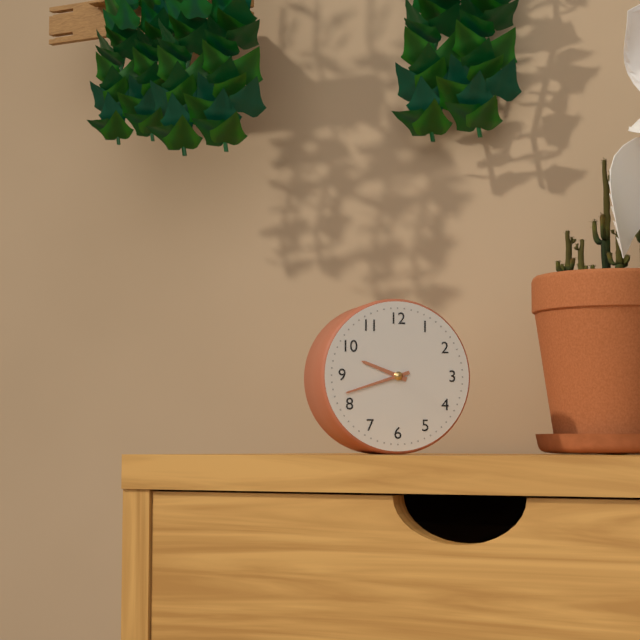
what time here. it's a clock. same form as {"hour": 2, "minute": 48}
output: {"hour": 9, "minute": 42}
